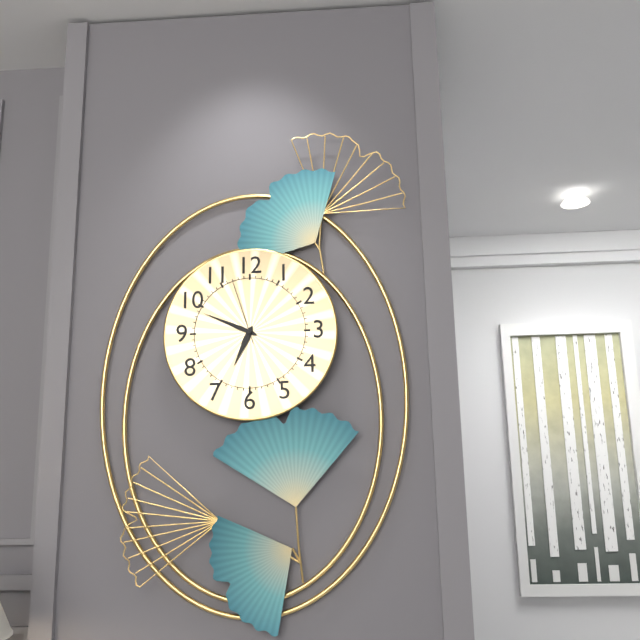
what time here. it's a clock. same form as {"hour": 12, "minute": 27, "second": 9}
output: {"hour": 6, "minute": 49, "second": 57}
